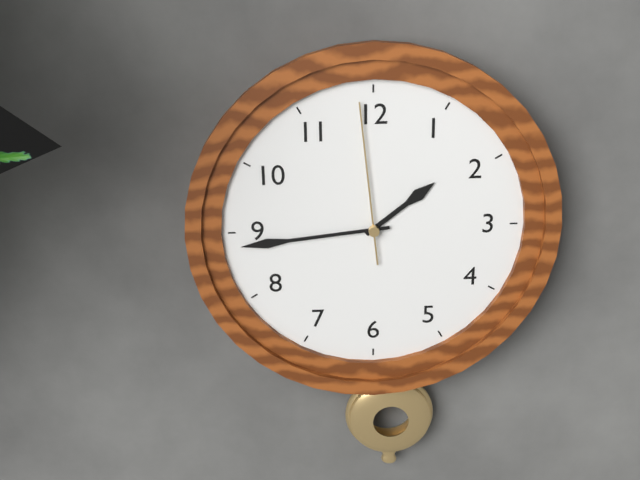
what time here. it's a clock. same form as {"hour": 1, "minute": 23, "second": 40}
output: {"hour": 1, "minute": 44, "second": 59}
